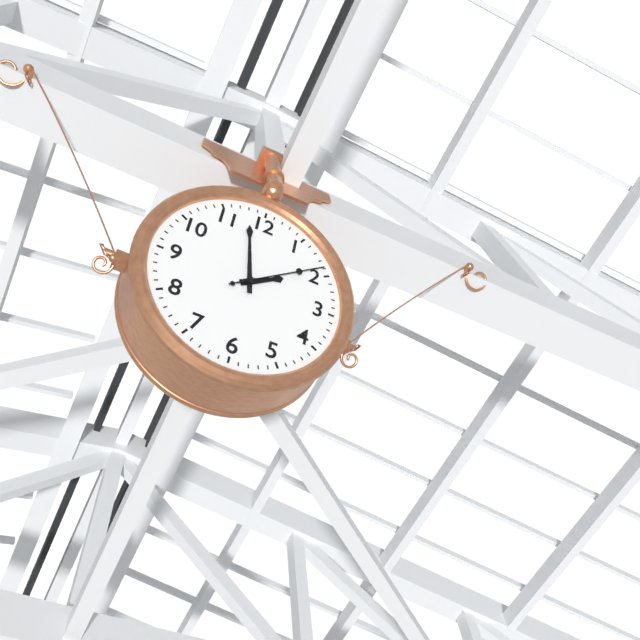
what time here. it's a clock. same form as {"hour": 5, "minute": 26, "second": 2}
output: {"hour": 1, "minute": 58, "second": 9}
